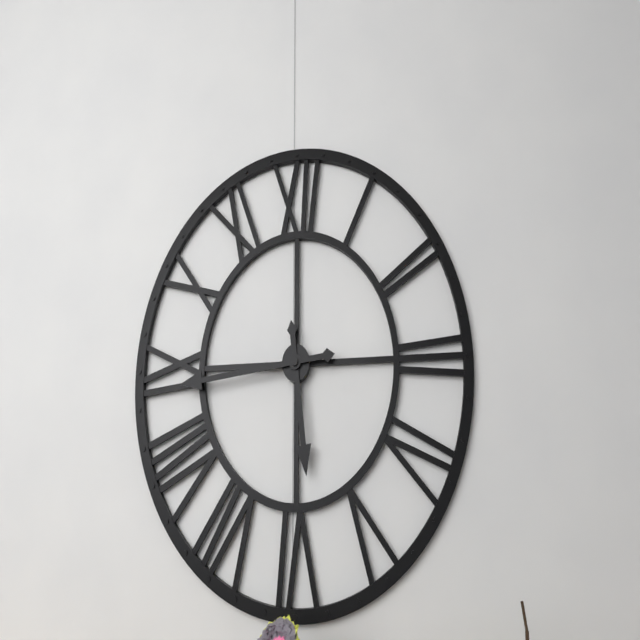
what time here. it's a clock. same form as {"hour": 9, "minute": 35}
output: {"hour": 5, "minute": 44}
